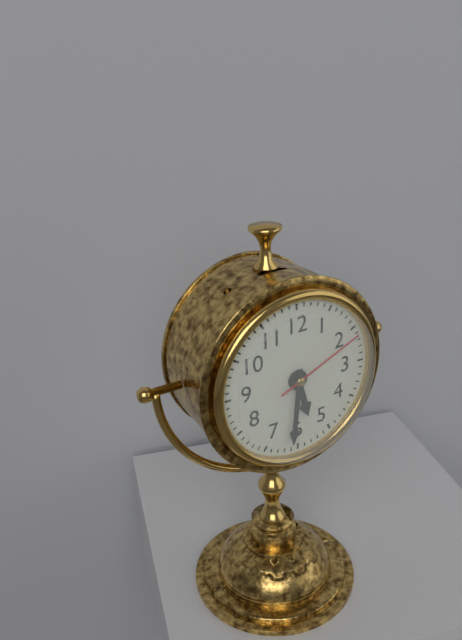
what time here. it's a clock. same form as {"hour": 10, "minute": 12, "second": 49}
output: {"hour": 5, "minute": 31, "second": 11}
